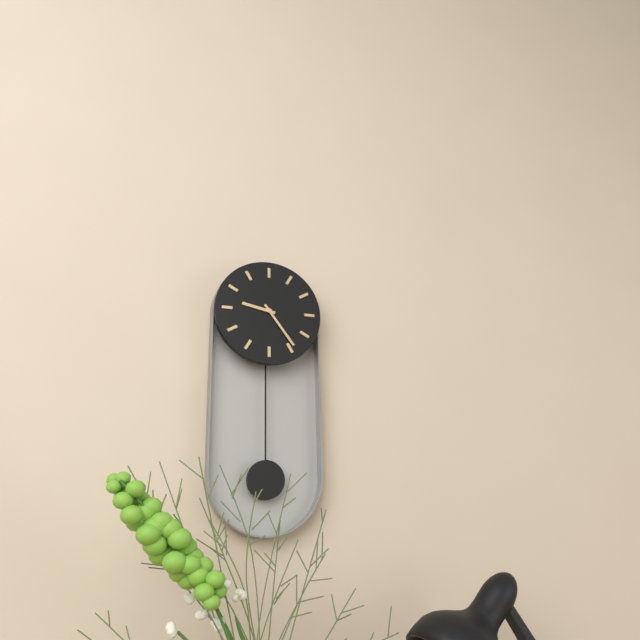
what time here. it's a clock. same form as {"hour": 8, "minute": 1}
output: {"hour": 9, "minute": 24}
